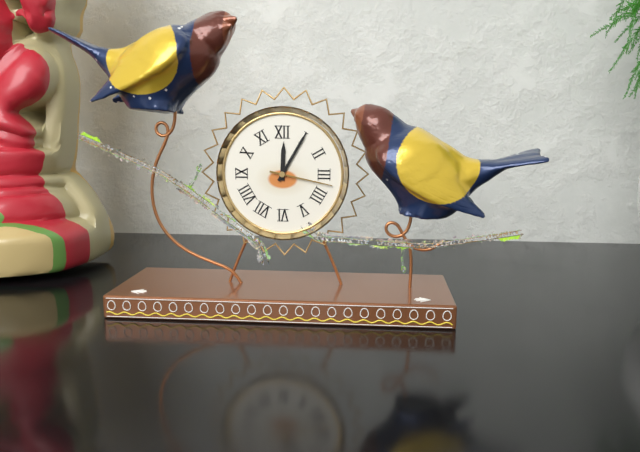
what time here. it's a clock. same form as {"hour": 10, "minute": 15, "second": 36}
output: {"hour": 12, "minute": 5, "second": 17}
